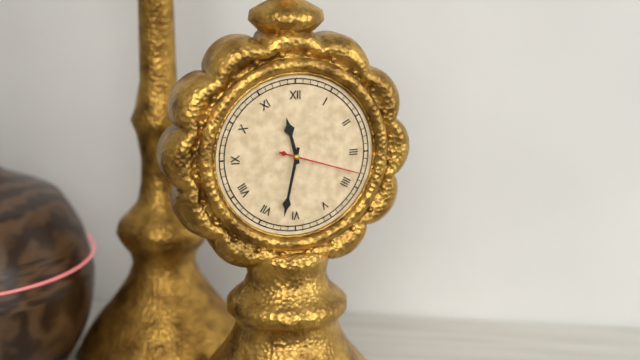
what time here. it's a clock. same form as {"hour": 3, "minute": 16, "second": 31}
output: {"hour": 11, "minute": 32, "second": 18}
